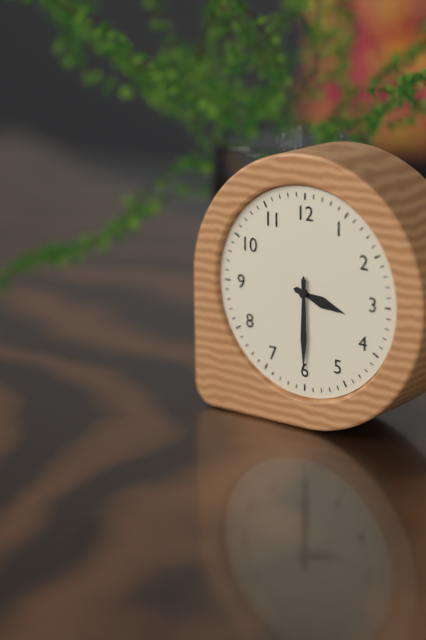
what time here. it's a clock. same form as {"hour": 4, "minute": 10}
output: {"hour": 3, "minute": 30}
